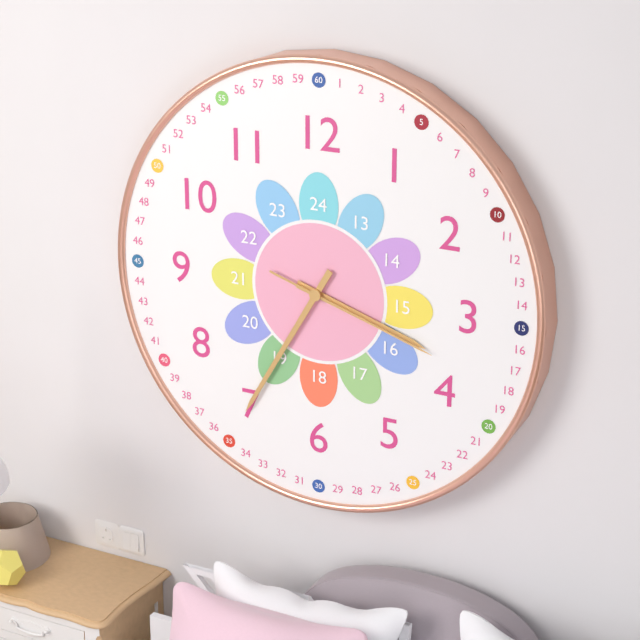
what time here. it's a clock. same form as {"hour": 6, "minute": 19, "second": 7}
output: {"hour": 3, "minute": 35, "second": 18}
